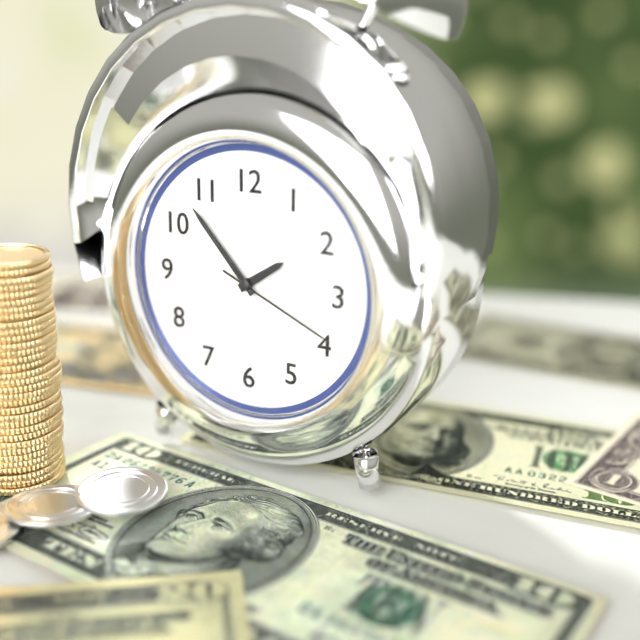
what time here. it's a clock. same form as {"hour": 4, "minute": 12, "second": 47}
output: {"hour": 1, "minute": 53, "second": 19}
